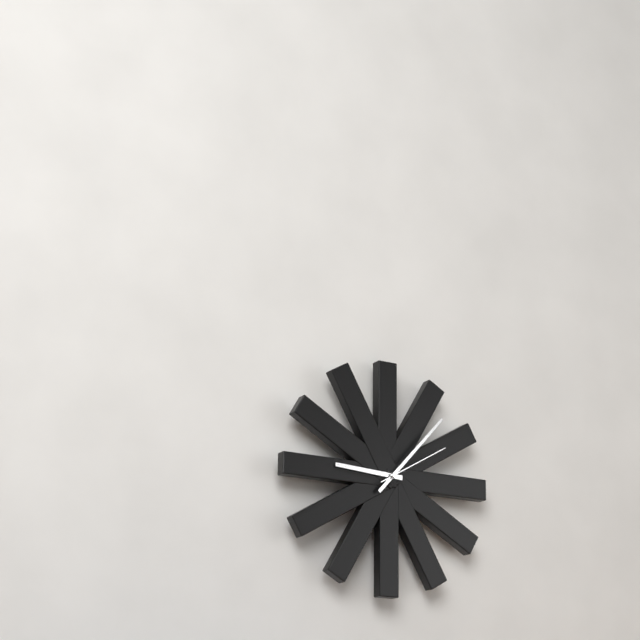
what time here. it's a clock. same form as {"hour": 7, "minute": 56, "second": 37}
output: {"hour": 9, "minute": 7, "second": 10}
